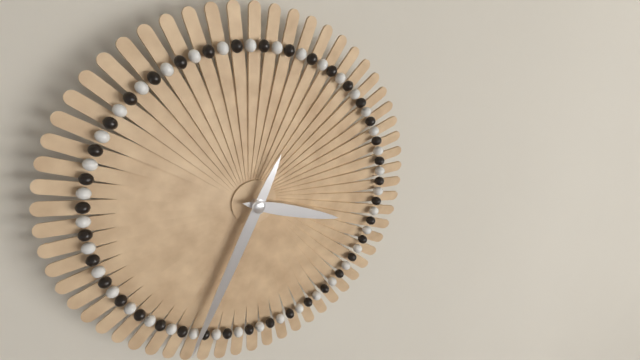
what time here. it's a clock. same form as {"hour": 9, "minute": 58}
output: {"hour": 3, "minute": 34}
